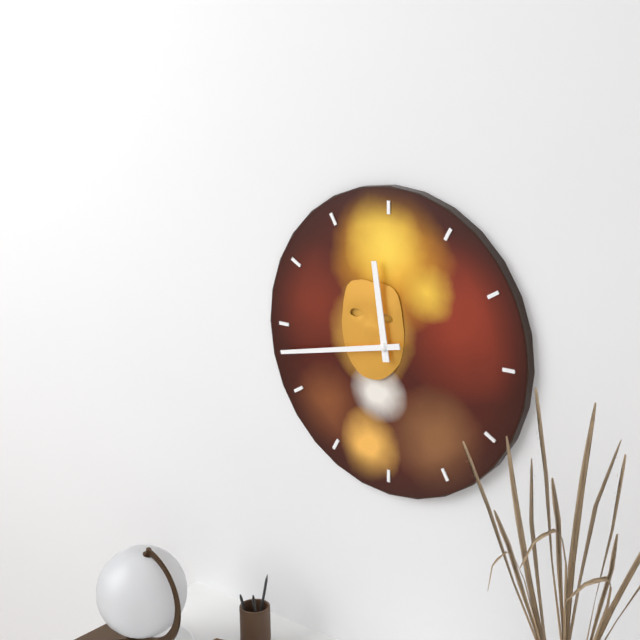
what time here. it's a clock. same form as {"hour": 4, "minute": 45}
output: {"hour": 11, "minute": 43}
